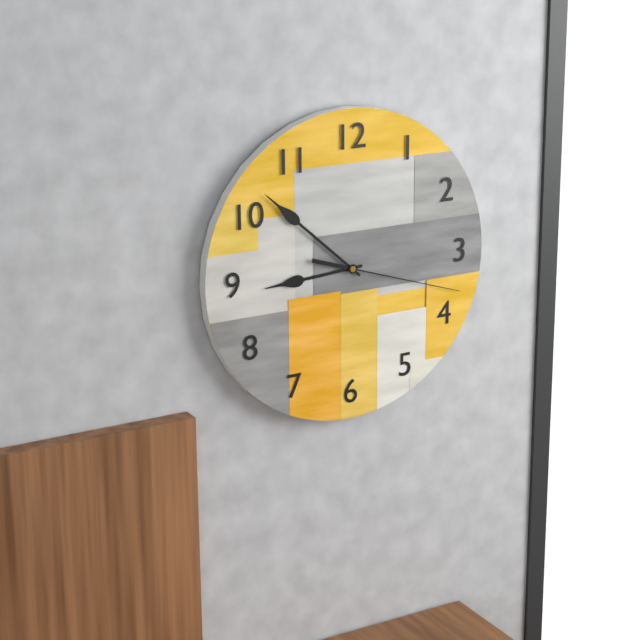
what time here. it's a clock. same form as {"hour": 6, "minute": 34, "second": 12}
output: {"hour": 8, "minute": 52, "second": 18}
